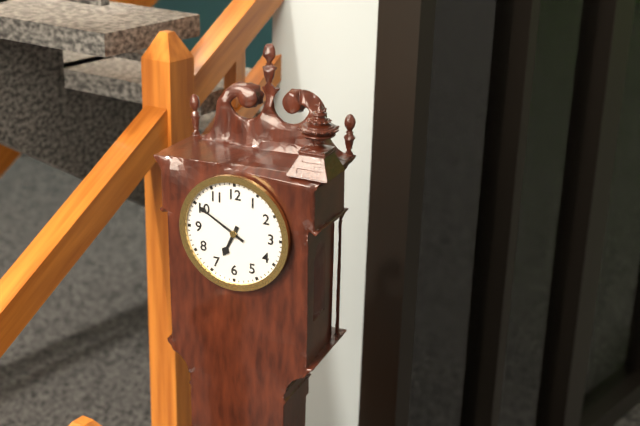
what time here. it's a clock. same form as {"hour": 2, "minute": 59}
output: {"hour": 6, "minute": 50}
